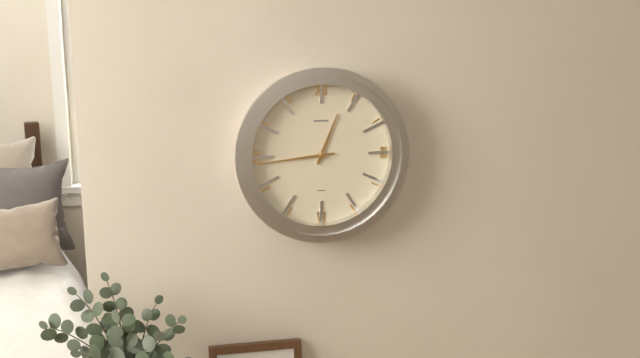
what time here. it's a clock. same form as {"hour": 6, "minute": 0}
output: {"hour": 12, "minute": 44}
